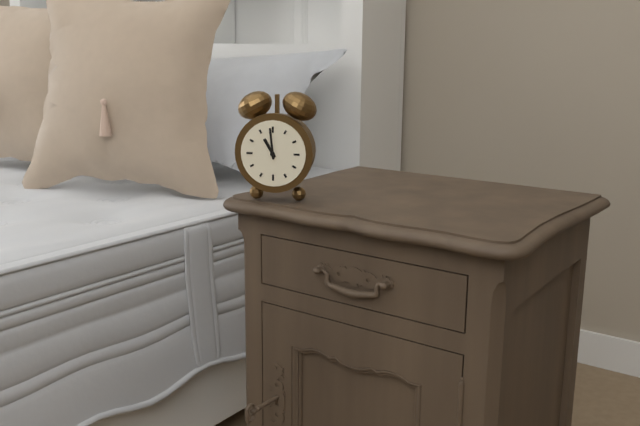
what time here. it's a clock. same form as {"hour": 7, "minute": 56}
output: {"hour": 10, "minute": 59}
